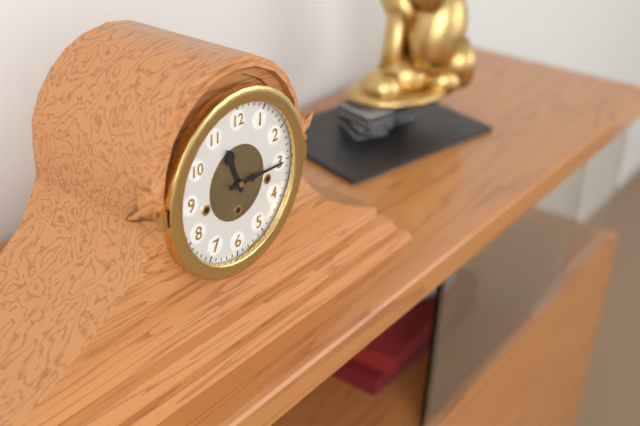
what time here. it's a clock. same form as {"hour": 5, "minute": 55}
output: {"hour": 11, "minute": 15}
